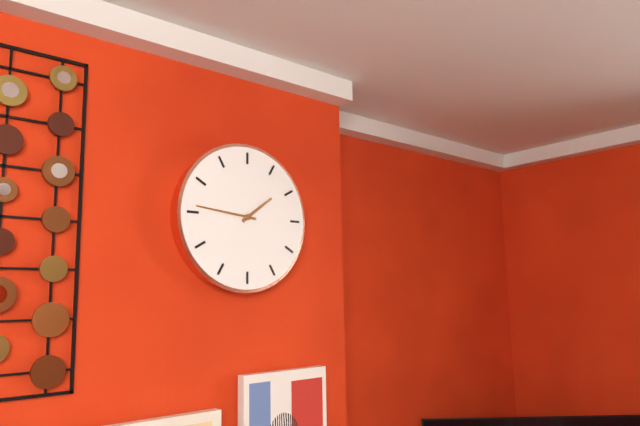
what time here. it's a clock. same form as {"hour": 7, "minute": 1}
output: {"hour": 1, "minute": 46}
